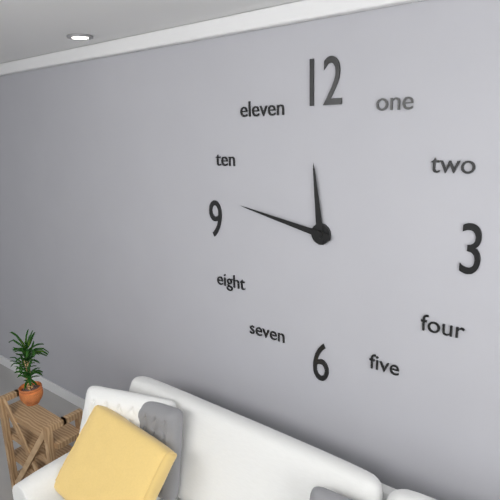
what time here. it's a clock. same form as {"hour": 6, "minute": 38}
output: {"hour": 11, "minute": 47}
